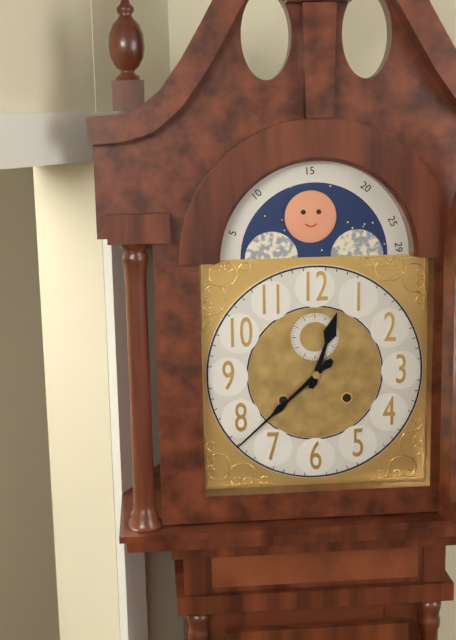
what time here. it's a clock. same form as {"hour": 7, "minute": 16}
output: {"hour": 12, "minute": 38}
